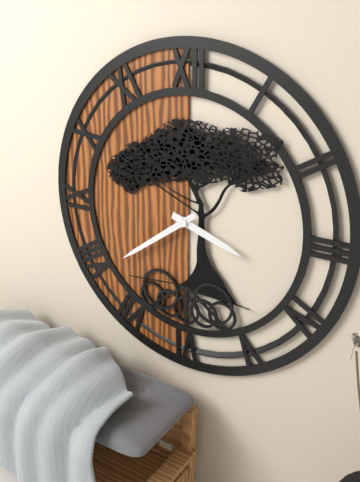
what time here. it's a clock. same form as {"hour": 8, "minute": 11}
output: {"hour": 3, "minute": 39}
